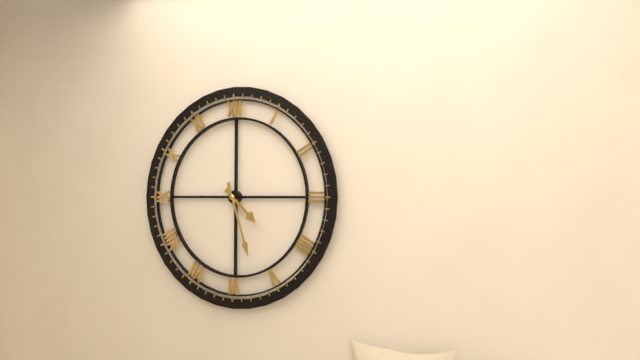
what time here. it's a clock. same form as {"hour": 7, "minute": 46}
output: {"hour": 4, "minute": 27}
